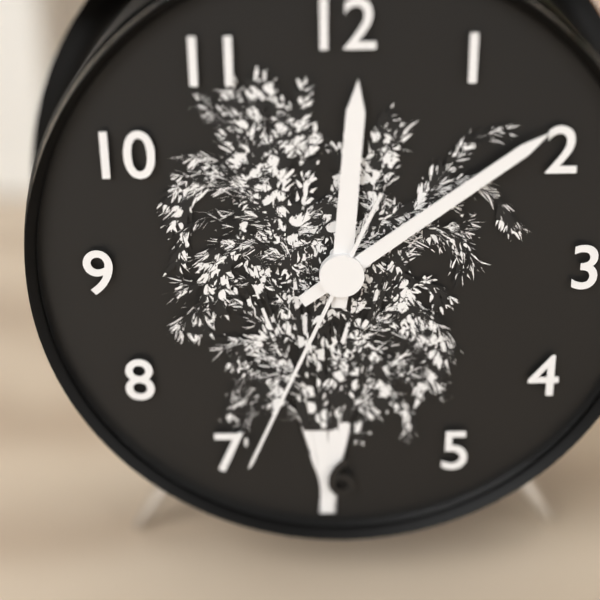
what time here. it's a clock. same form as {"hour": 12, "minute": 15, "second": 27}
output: {"hour": 12, "minute": 9, "second": 34}
